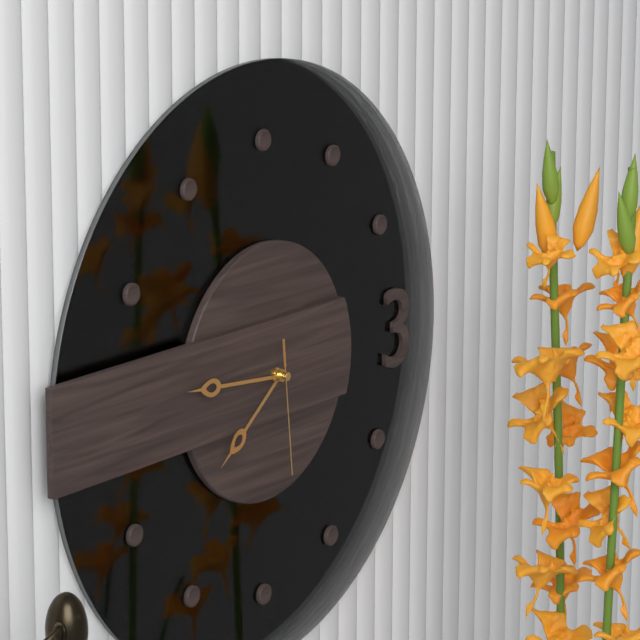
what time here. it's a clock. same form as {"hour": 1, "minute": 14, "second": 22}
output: {"hour": 7, "minute": 46, "second": 29}
